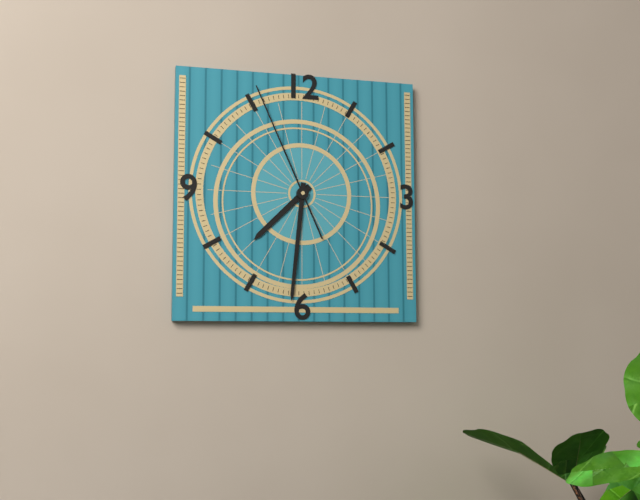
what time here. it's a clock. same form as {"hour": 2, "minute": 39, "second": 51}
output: {"hour": 7, "minute": 31, "second": 56}
